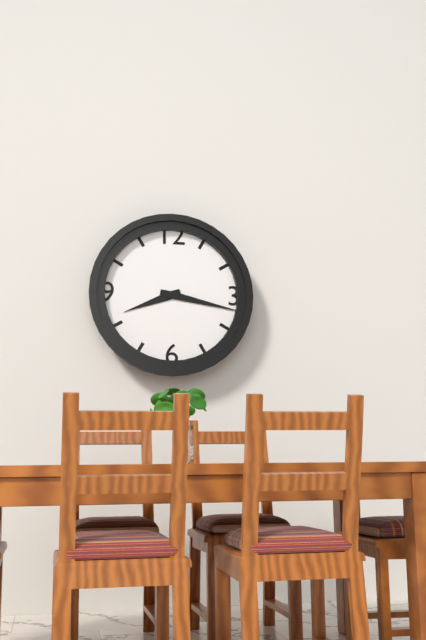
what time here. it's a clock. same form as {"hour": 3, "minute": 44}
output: {"hour": 8, "minute": 17}
